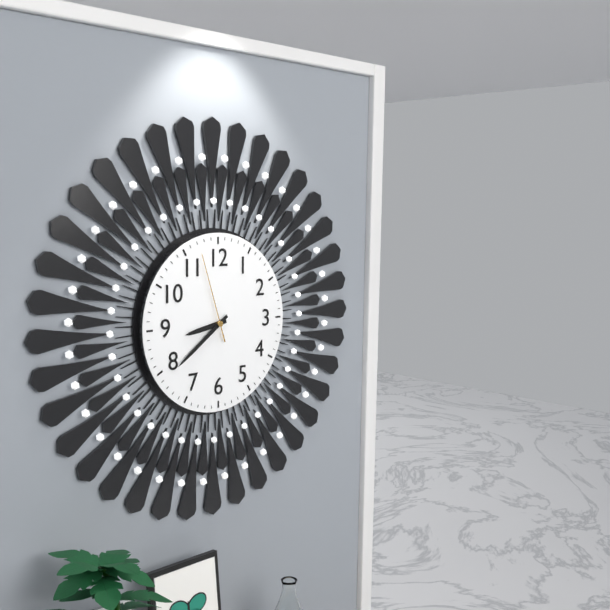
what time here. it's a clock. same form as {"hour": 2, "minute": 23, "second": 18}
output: {"hour": 8, "minute": 39, "second": 57}
